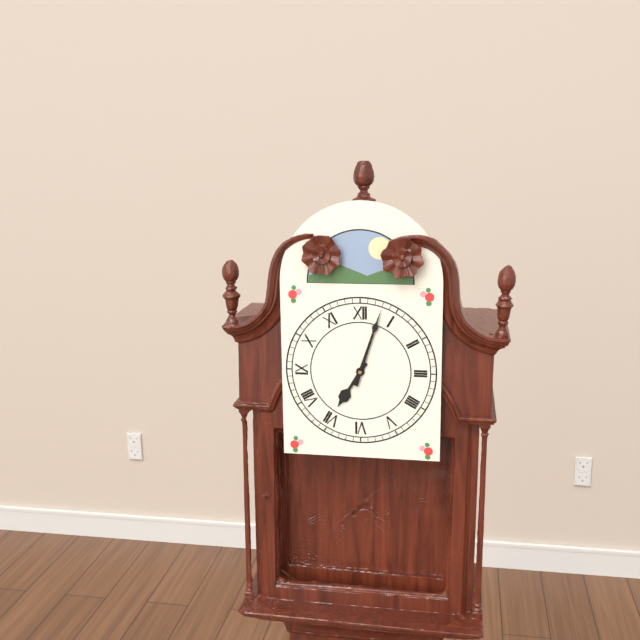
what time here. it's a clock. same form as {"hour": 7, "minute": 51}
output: {"hour": 7, "minute": 3}
